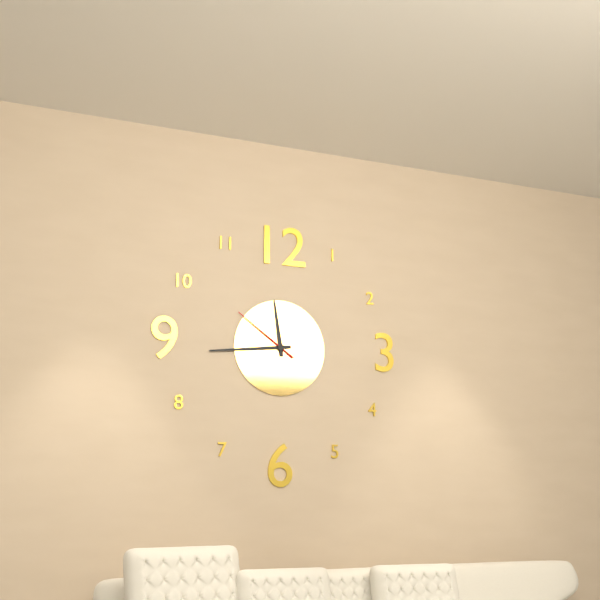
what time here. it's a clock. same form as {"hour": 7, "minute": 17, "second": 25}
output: {"hour": 11, "minute": 44, "second": 51}
